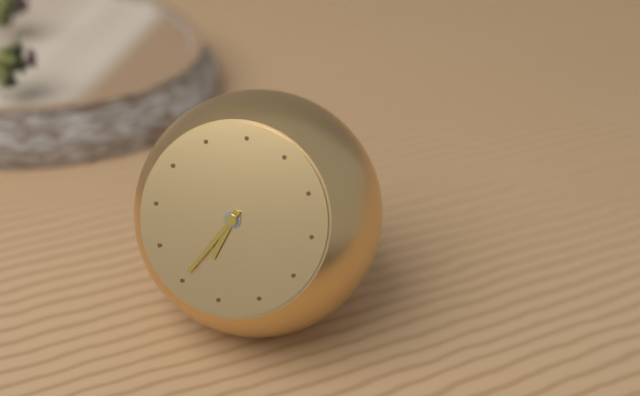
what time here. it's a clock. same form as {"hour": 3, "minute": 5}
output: {"hour": 6, "minute": 35}
